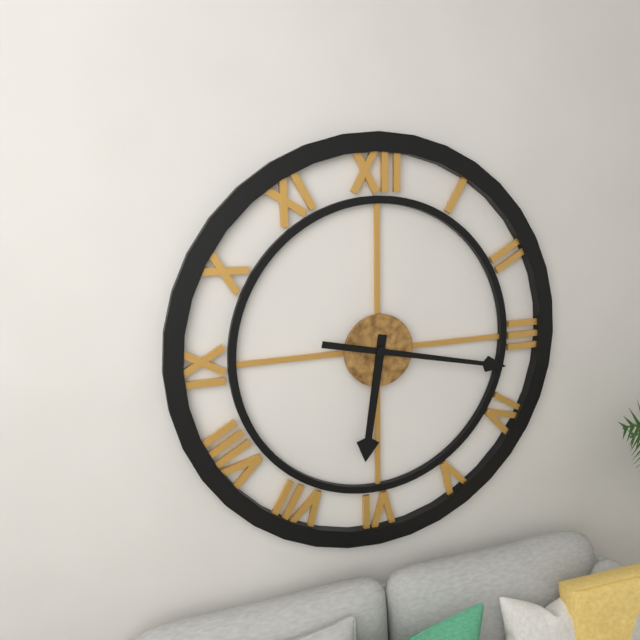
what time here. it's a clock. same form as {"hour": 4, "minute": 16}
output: {"hour": 6, "minute": 17}
